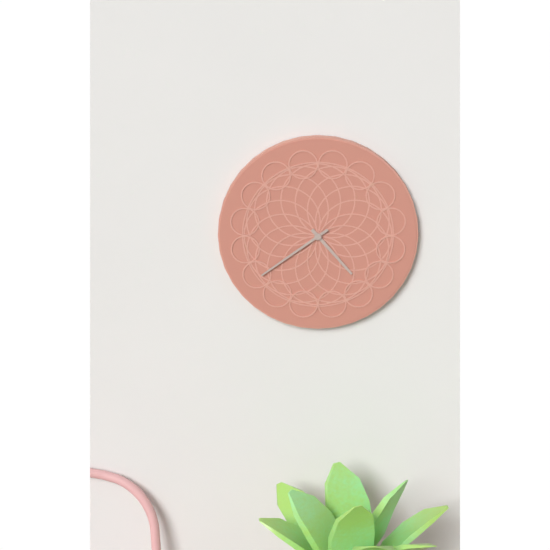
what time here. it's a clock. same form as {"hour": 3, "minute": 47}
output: {"hour": 4, "minute": 39}
